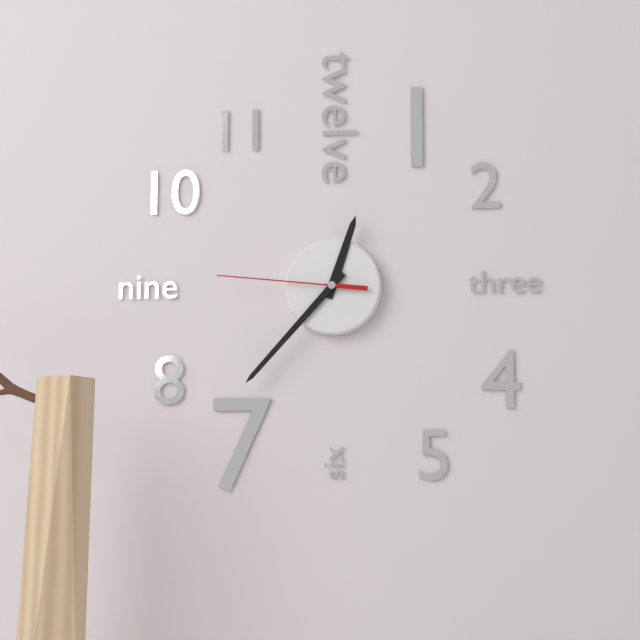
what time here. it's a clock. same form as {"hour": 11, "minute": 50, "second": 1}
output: {"hour": 12, "minute": 37, "second": 46}
